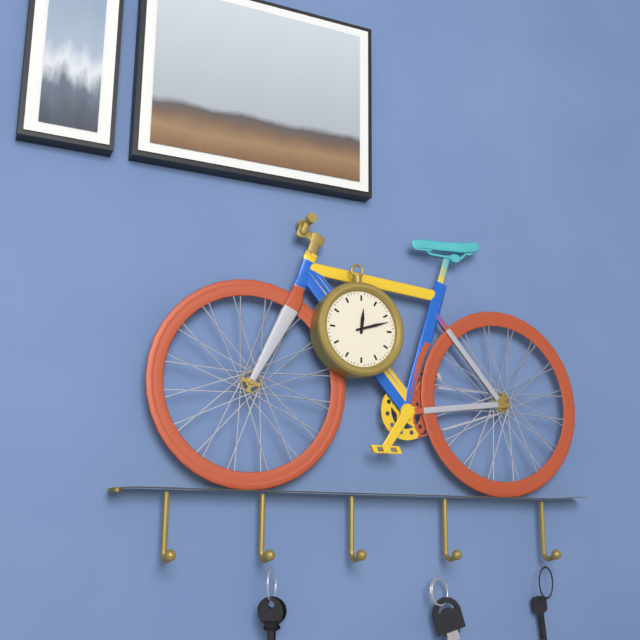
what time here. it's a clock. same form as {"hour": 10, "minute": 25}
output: {"hour": 12, "minute": 12}
